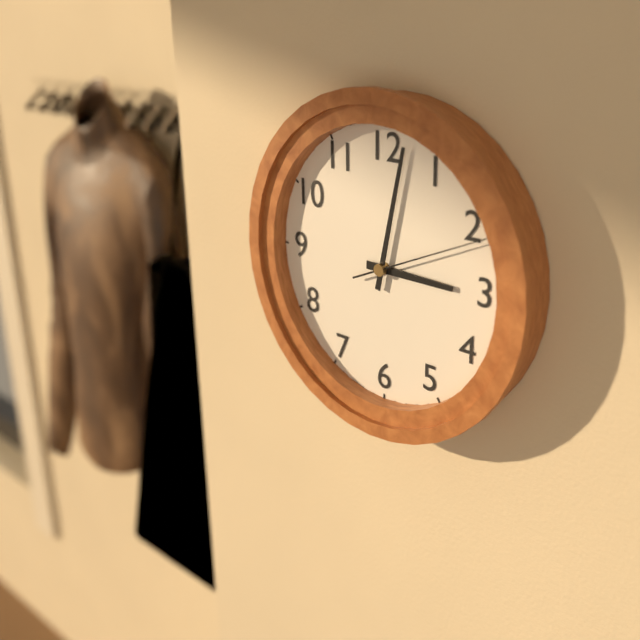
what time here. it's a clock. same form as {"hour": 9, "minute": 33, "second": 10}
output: {"hour": 3, "minute": 2, "second": 11}
